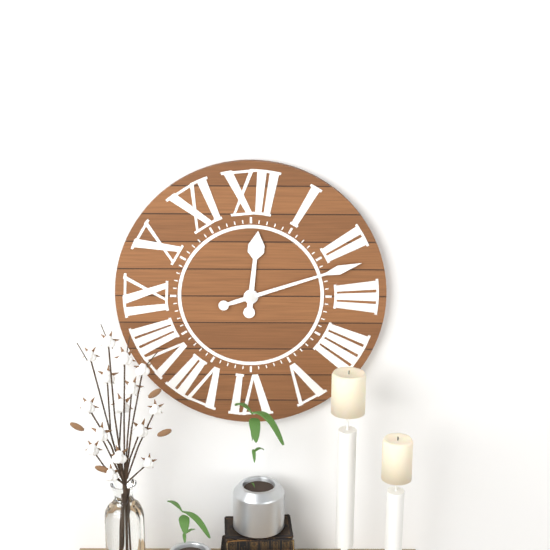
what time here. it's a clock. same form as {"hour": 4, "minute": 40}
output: {"hour": 12, "minute": 12}
